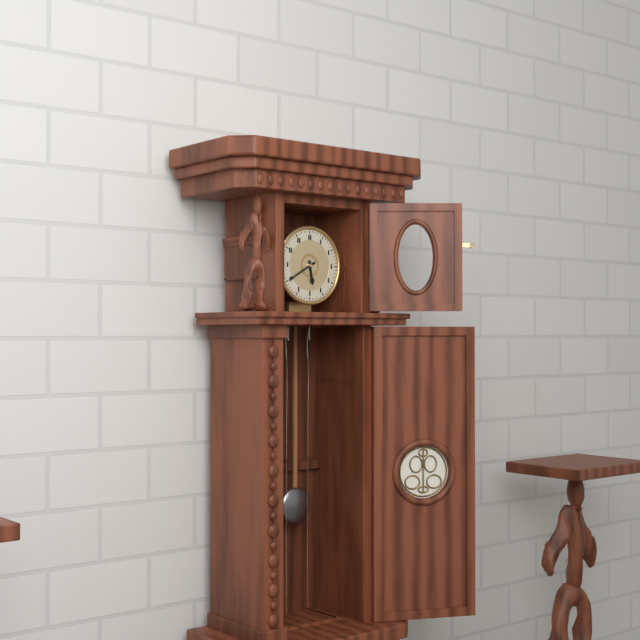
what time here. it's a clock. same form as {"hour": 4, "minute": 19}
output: {"hour": 5, "minute": 40}
